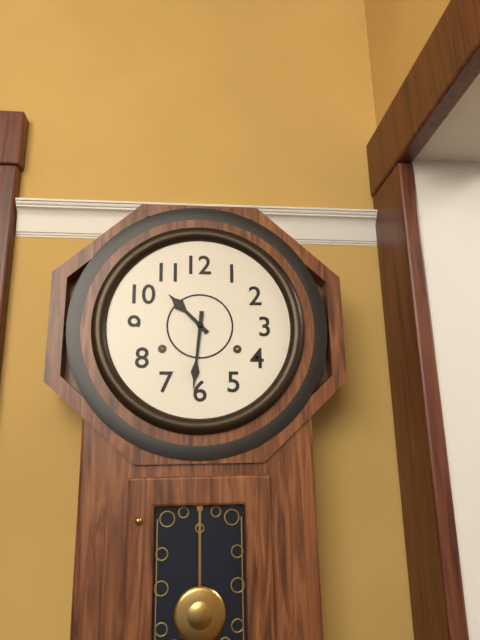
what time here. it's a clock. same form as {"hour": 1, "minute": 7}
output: {"hour": 10, "minute": 31}
